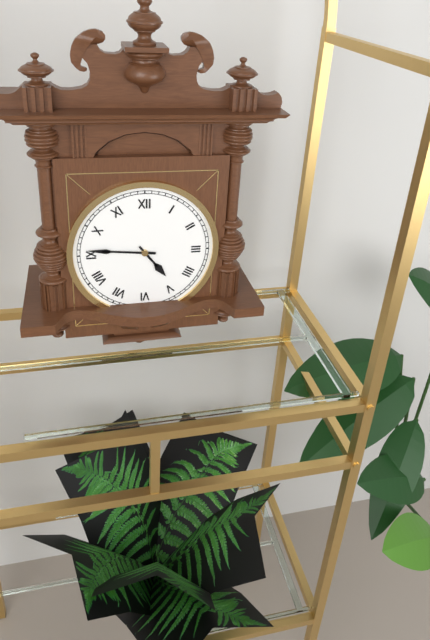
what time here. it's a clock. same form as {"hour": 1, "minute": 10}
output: {"hour": 4, "minute": 46}
